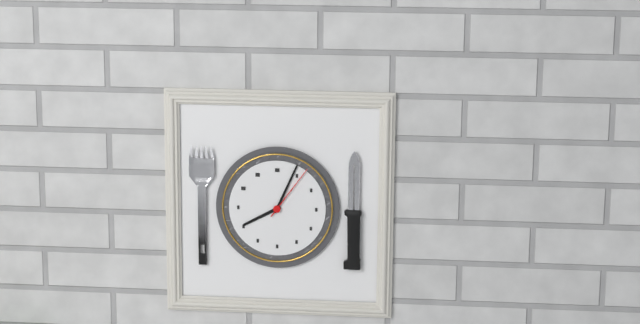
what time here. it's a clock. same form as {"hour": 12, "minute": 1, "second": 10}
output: {"hour": 8, "minute": 4, "second": 6}
